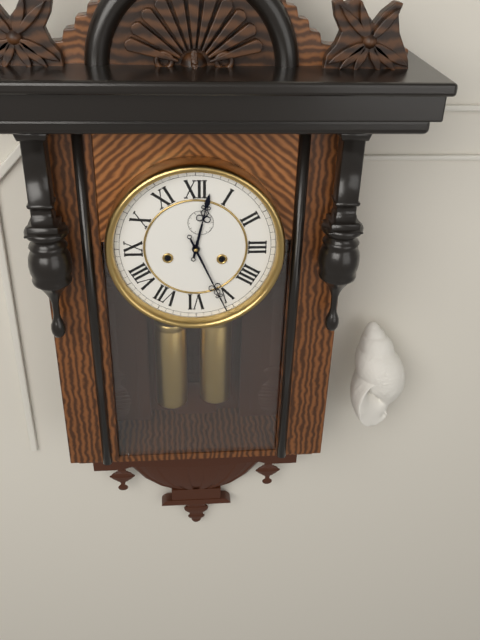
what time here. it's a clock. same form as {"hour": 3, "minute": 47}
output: {"hour": 12, "minute": 26}
